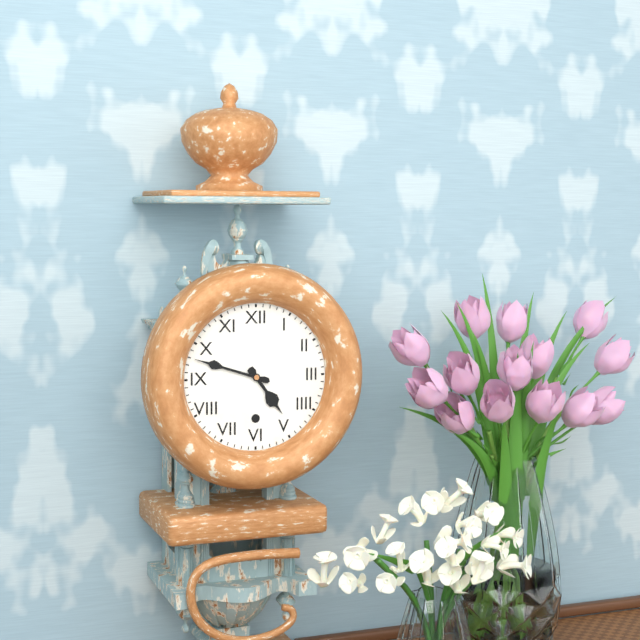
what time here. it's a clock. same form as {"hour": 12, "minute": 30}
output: {"hour": 4, "minute": 48}
